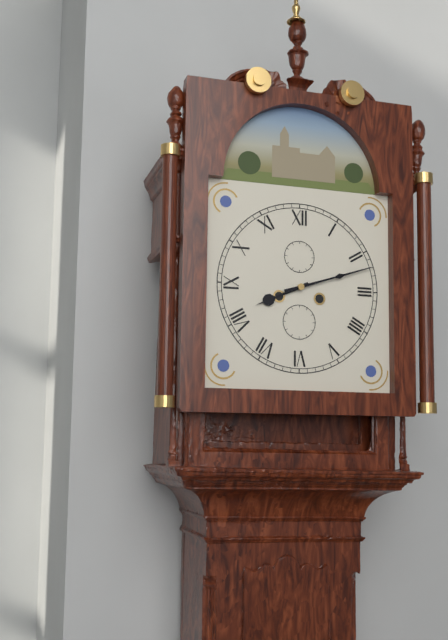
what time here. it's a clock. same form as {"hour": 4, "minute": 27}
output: {"hour": 8, "minute": 12}
